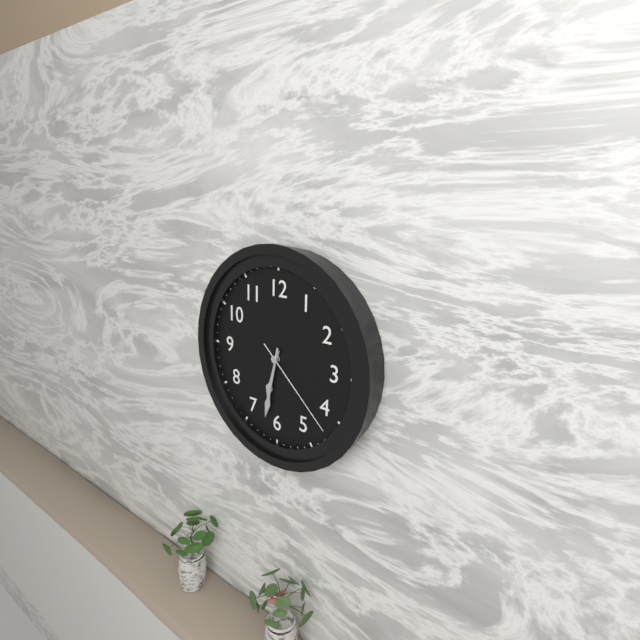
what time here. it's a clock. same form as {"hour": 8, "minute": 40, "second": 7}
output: {"hour": 6, "minute": 32, "second": 22}
